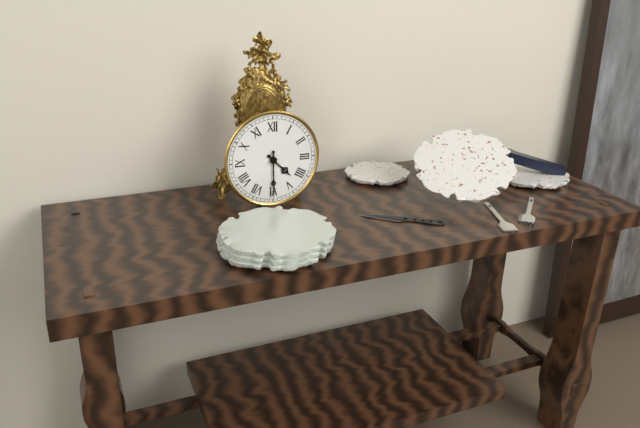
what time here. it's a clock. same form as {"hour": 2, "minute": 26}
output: {"hour": 4, "minute": 30}
